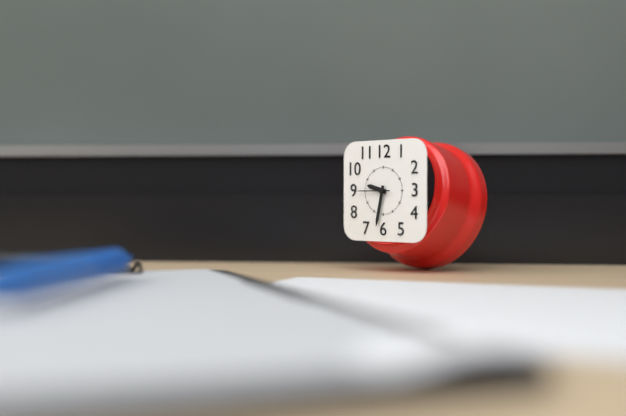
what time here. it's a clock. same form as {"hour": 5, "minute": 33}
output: {"hour": 9, "minute": 32}
